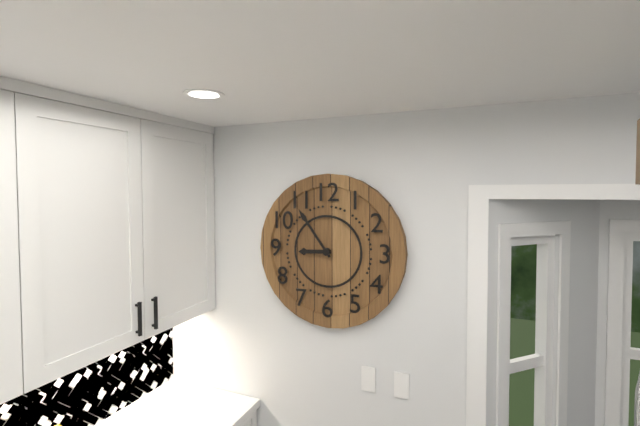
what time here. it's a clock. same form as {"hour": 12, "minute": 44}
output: {"hour": 8, "minute": 54}
